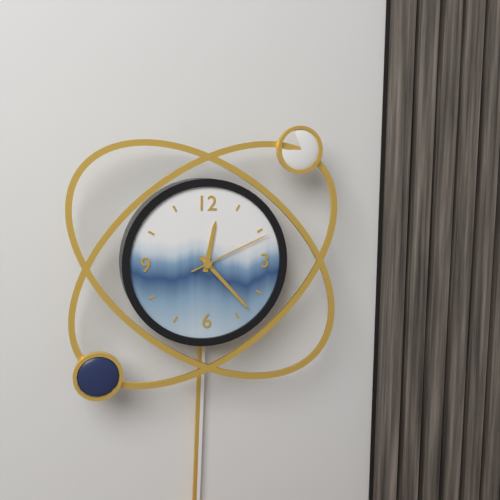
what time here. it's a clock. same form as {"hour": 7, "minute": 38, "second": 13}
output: {"hour": 12, "minute": 23, "second": 11}
